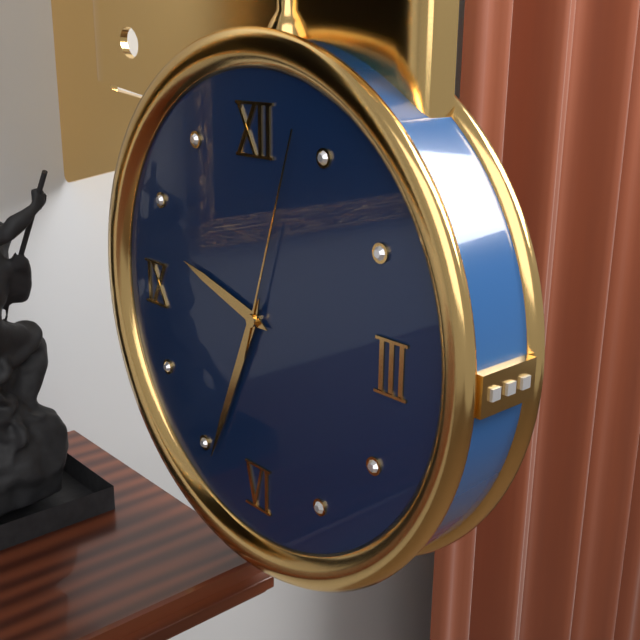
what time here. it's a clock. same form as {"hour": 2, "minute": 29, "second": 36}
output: {"hour": 9, "minute": 34, "second": 3}
